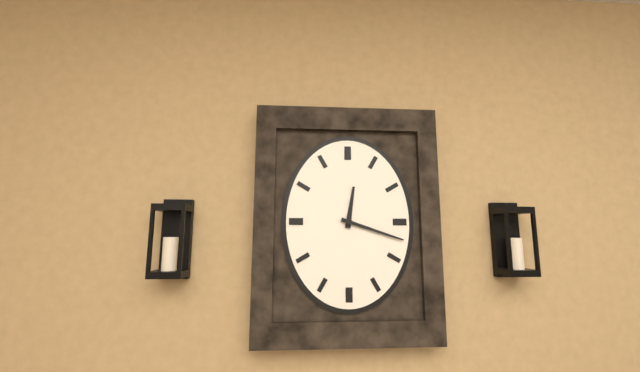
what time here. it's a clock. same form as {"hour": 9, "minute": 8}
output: {"hour": 12, "minute": 18}
